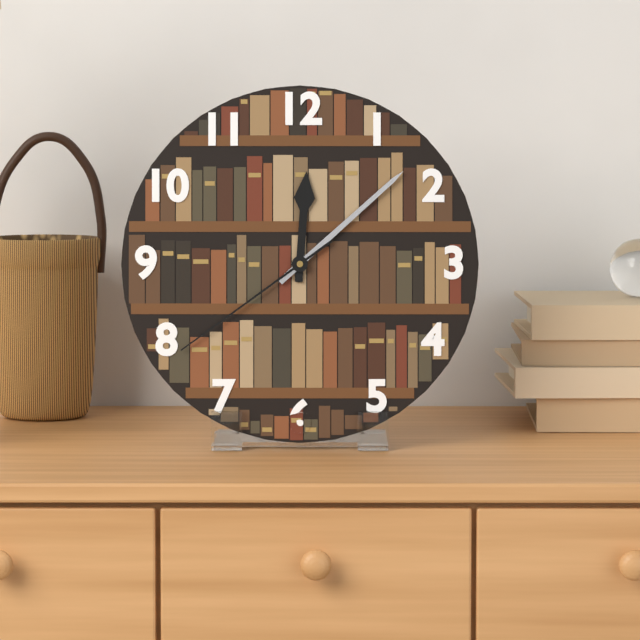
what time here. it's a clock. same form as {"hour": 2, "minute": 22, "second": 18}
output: {"hour": 12, "minute": 8, "second": 39}
